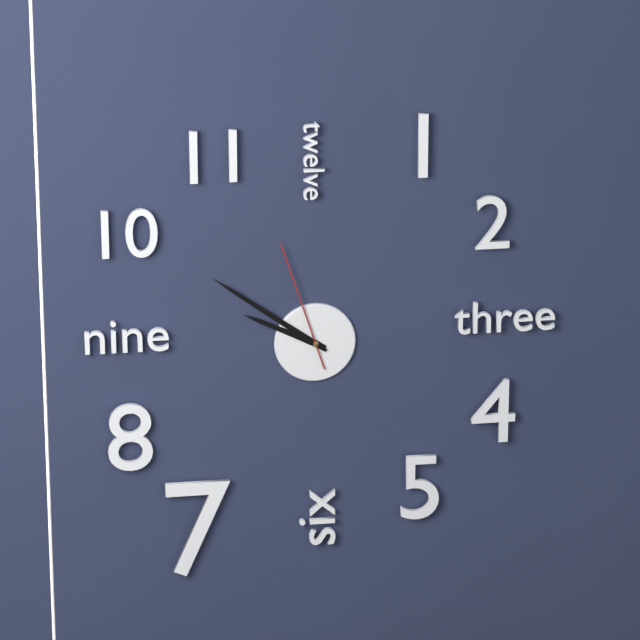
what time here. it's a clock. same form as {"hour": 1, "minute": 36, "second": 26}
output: {"hour": 9, "minute": 51, "second": 57}
